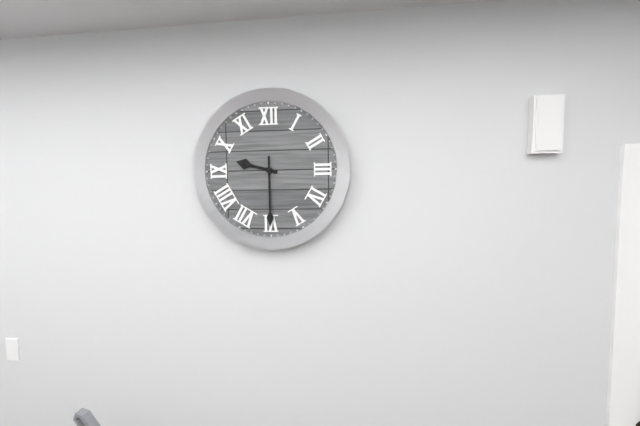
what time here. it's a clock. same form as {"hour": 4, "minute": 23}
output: {"hour": 9, "minute": 30}
